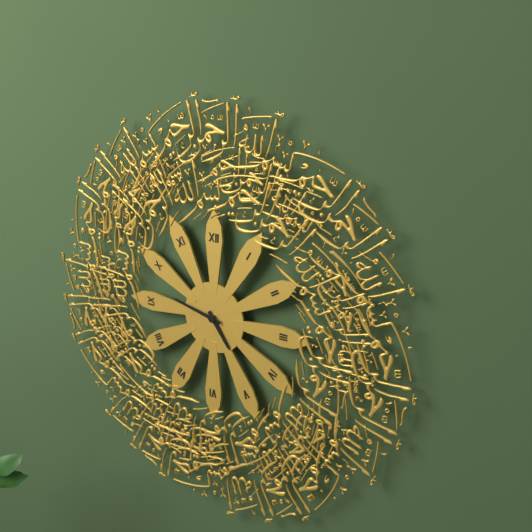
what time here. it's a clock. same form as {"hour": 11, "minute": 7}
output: {"hour": 4, "minute": 47}
